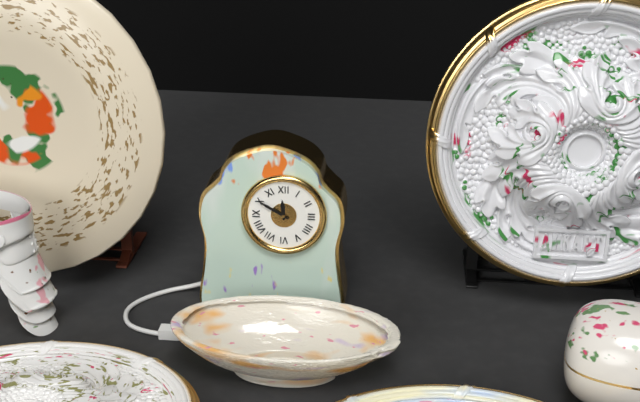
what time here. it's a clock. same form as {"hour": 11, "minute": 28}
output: {"hour": 11, "minute": 50}
